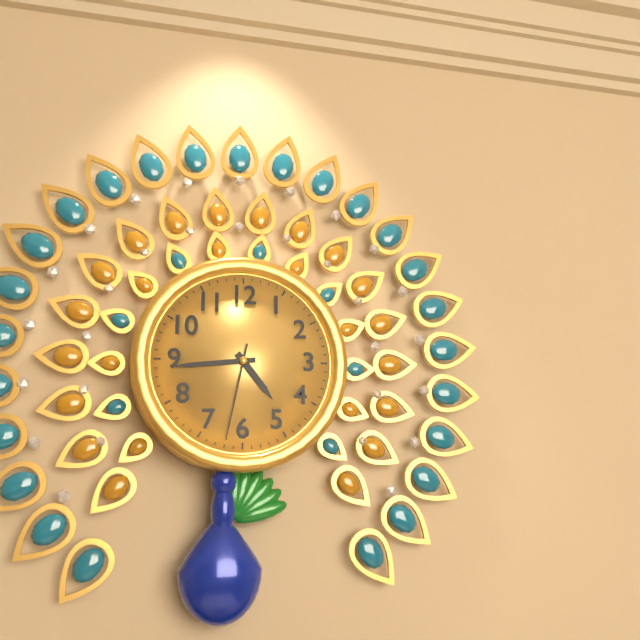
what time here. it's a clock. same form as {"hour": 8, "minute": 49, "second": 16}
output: {"hour": 4, "minute": 44, "second": 32}
